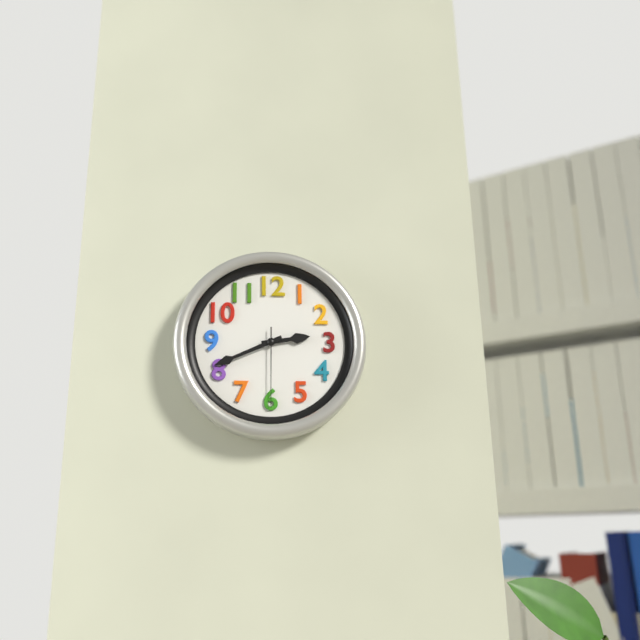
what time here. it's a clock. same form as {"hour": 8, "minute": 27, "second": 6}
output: {"hour": 2, "minute": 41, "second": 30}
